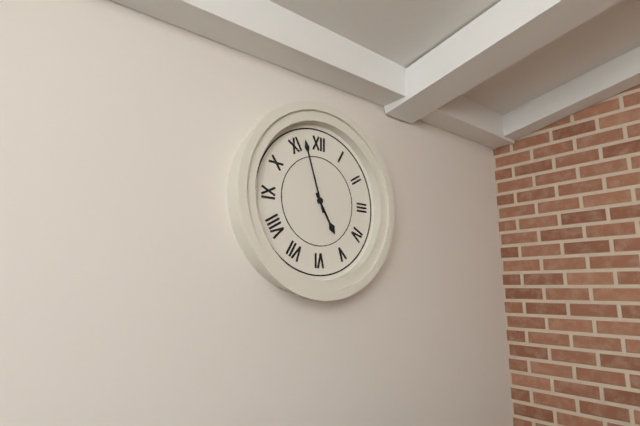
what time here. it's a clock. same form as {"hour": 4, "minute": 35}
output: {"hour": 4, "minute": 57}
